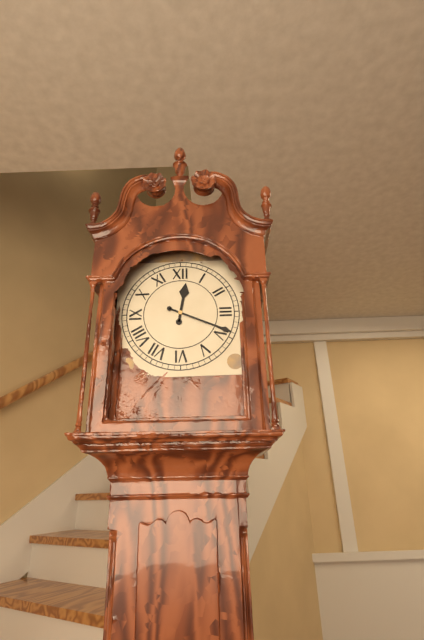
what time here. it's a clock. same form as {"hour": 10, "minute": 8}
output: {"hour": 12, "minute": 19}
